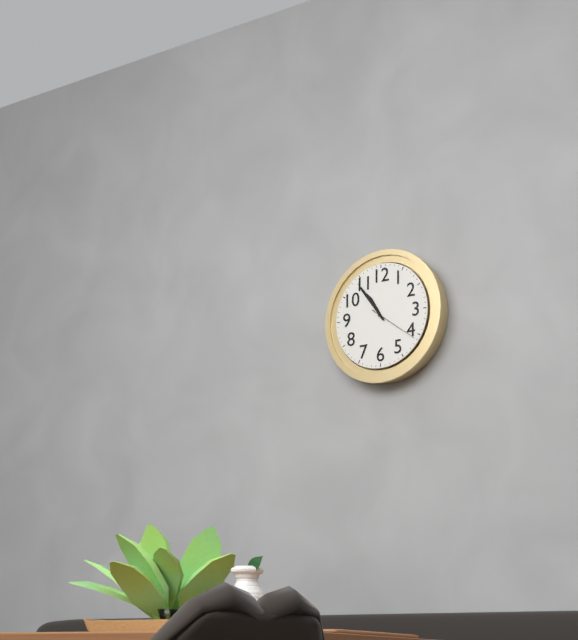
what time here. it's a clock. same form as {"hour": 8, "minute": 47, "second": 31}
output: {"hour": 10, "minute": 54, "second": 21}
